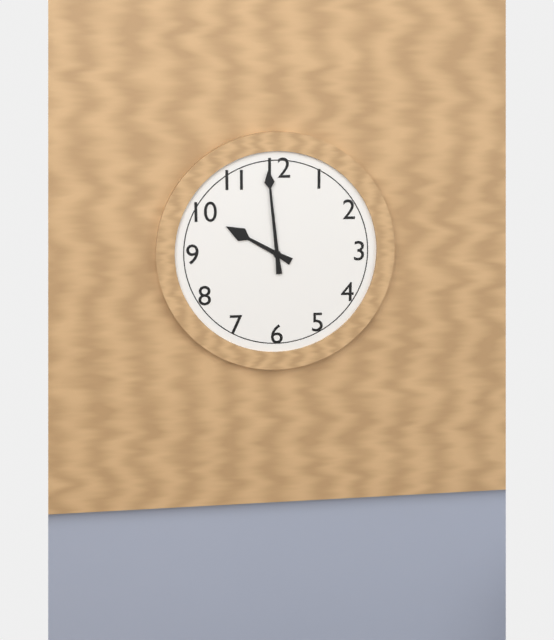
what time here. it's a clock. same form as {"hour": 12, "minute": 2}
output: {"hour": 9, "minute": 59}
